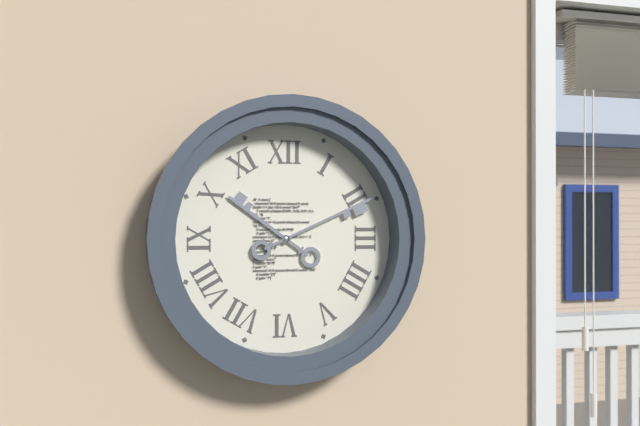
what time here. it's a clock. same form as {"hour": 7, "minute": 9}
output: {"hour": 10, "minute": 11}
